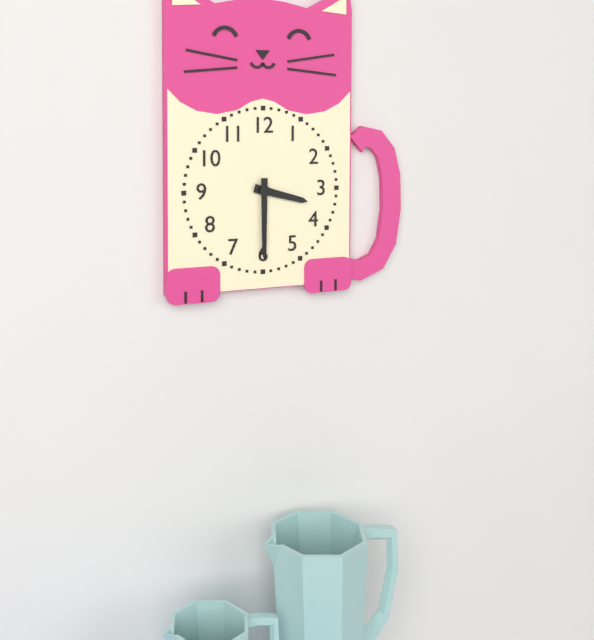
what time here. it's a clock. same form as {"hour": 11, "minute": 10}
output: {"hour": 3, "minute": 30}
